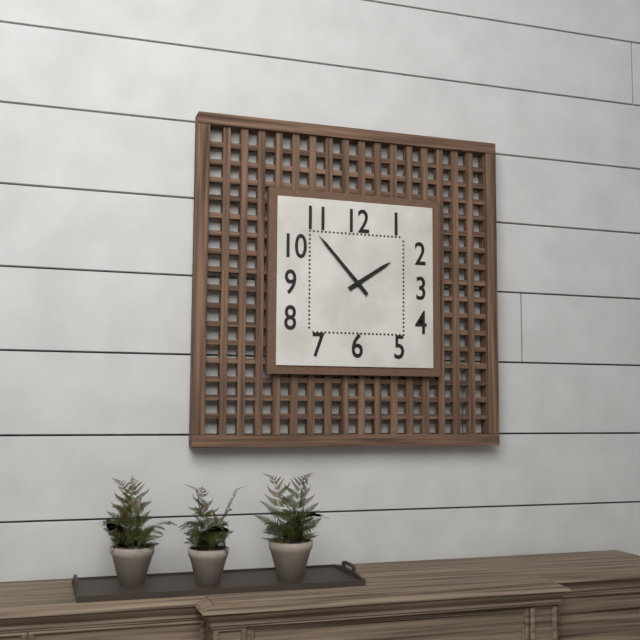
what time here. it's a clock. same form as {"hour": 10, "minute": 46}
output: {"hour": 1, "minute": 53}
